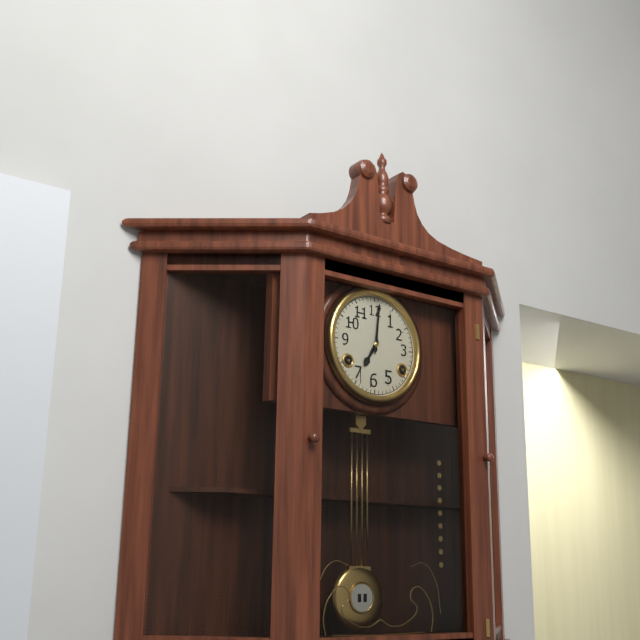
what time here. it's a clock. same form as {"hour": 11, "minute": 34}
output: {"hour": 7, "minute": 1}
